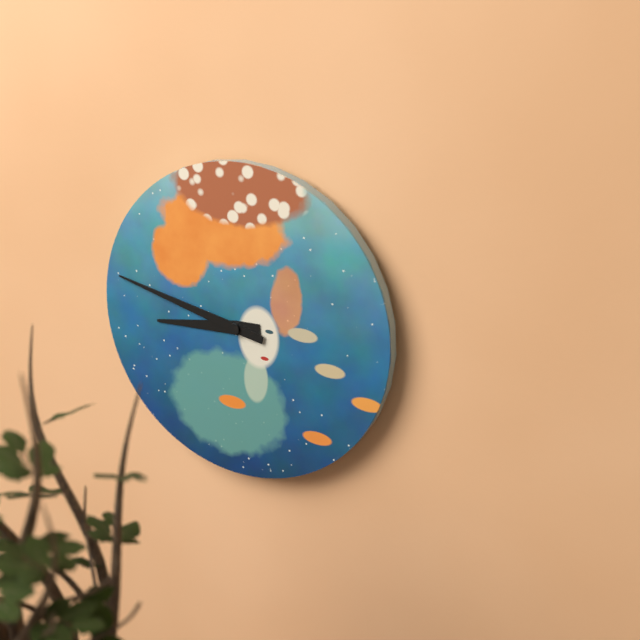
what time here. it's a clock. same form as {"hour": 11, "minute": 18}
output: {"hour": 8, "minute": 47}
